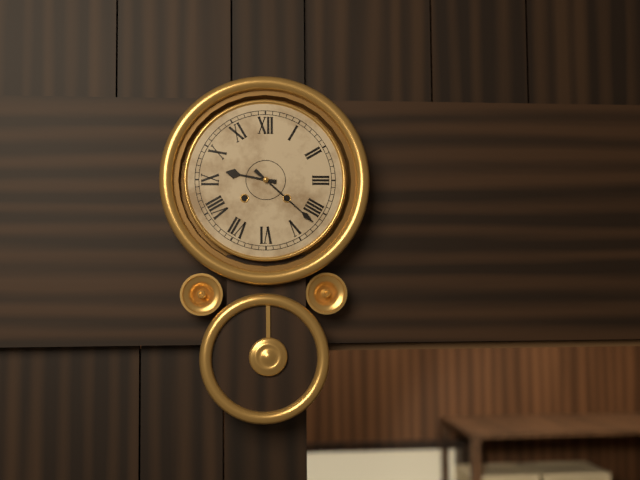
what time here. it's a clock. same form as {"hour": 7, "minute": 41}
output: {"hour": 9, "minute": 22}
